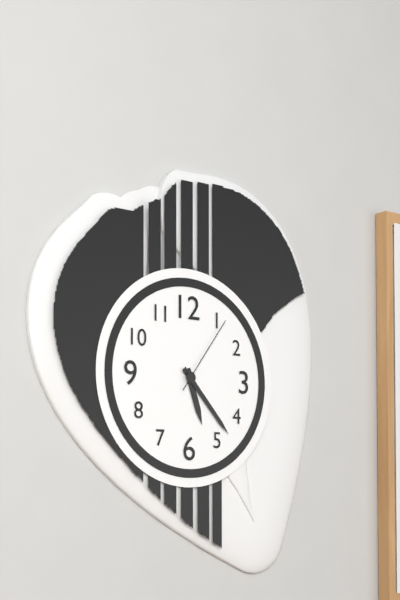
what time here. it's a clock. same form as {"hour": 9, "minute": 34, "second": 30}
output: {"hour": 5, "minute": 23, "second": 6}
